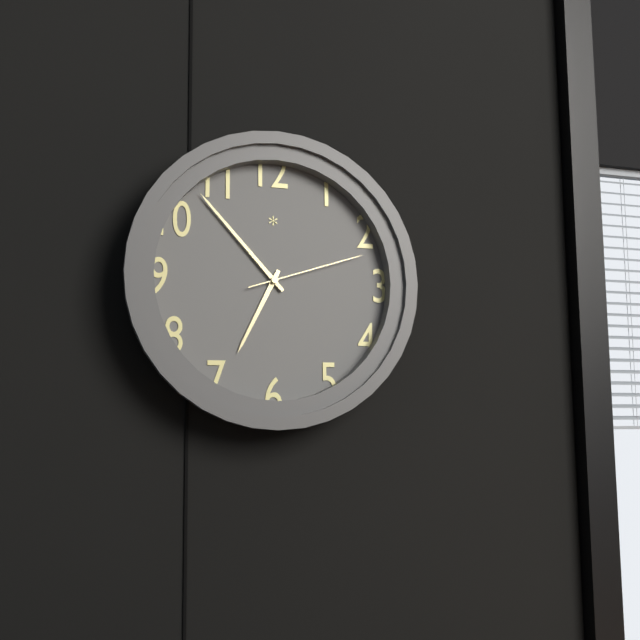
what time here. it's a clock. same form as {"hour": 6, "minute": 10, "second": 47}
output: {"hour": 6, "minute": 53, "second": 12}
